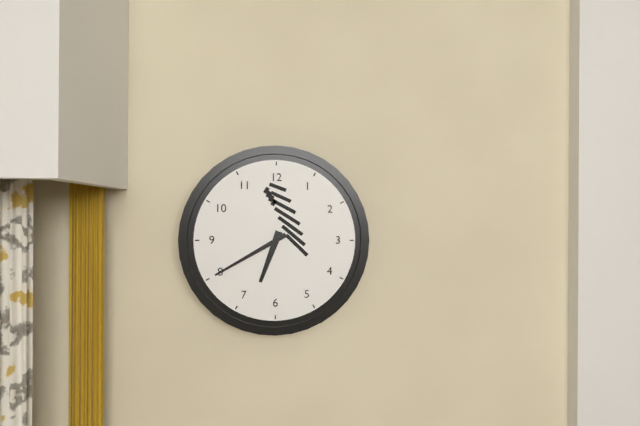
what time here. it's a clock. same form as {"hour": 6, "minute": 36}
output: {"hour": 6, "minute": 40}
